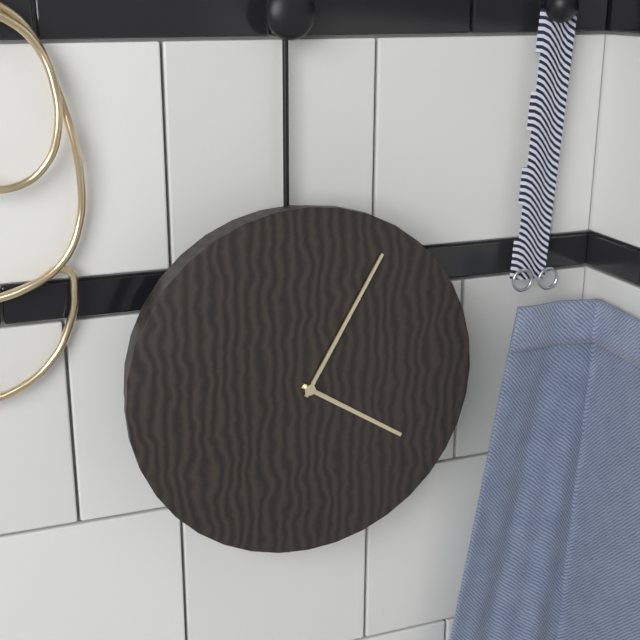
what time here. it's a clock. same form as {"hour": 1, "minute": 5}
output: {"hour": 4, "minute": 5}
